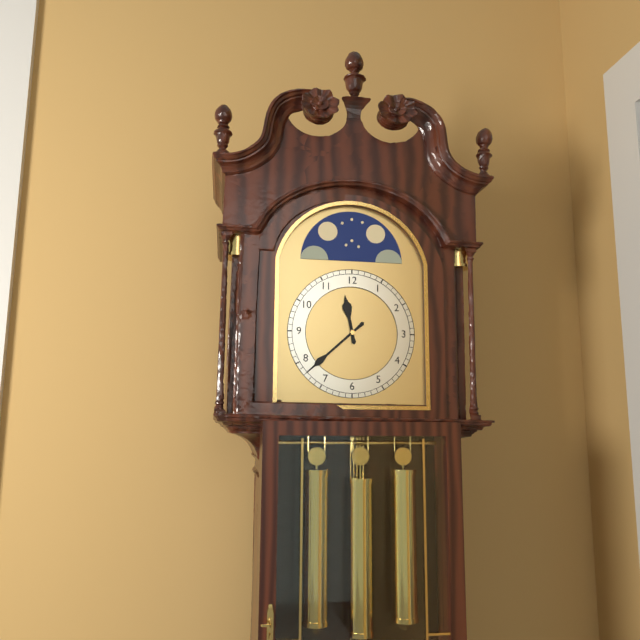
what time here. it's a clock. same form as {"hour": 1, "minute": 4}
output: {"hour": 11, "minute": 38}
